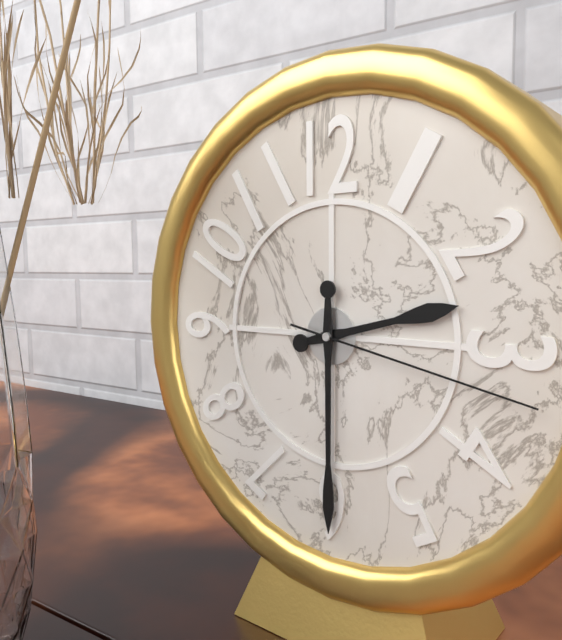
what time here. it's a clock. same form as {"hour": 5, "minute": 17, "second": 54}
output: {"hour": 2, "minute": 30, "second": 17}
